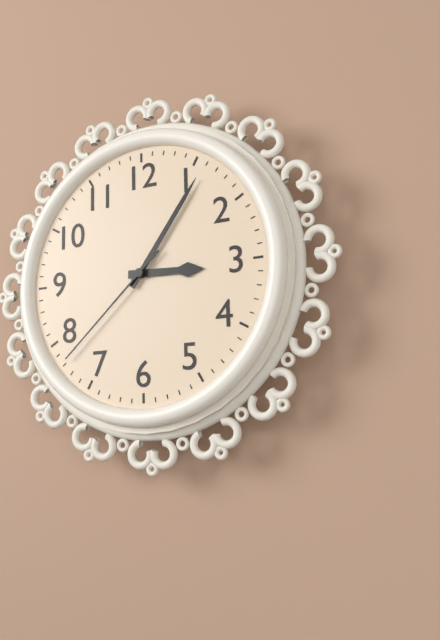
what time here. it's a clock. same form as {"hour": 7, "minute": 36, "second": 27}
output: {"hour": 3, "minute": 6, "second": 38}
